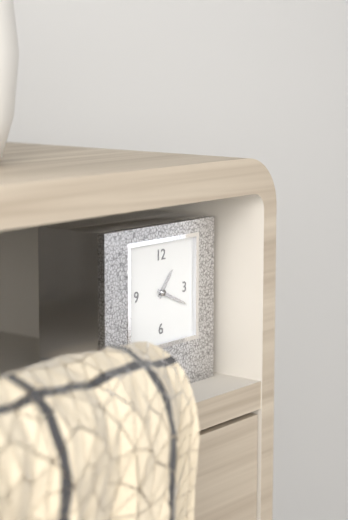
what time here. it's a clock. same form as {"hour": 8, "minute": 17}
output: {"hour": 1, "minute": 19}
